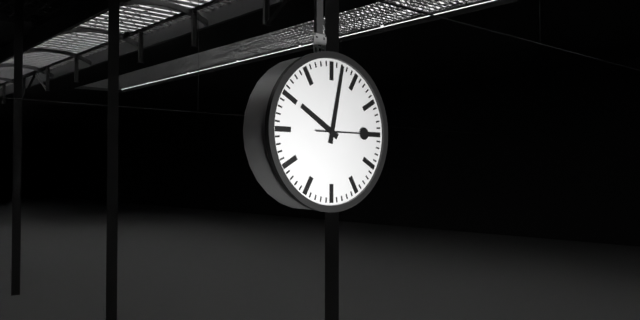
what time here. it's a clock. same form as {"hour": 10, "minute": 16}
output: {"hour": 10, "minute": 2}
